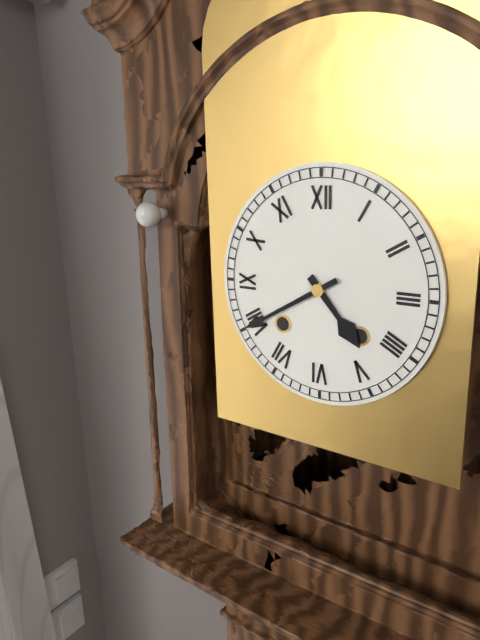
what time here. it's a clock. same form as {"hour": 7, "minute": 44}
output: {"hour": 4, "minute": 40}
